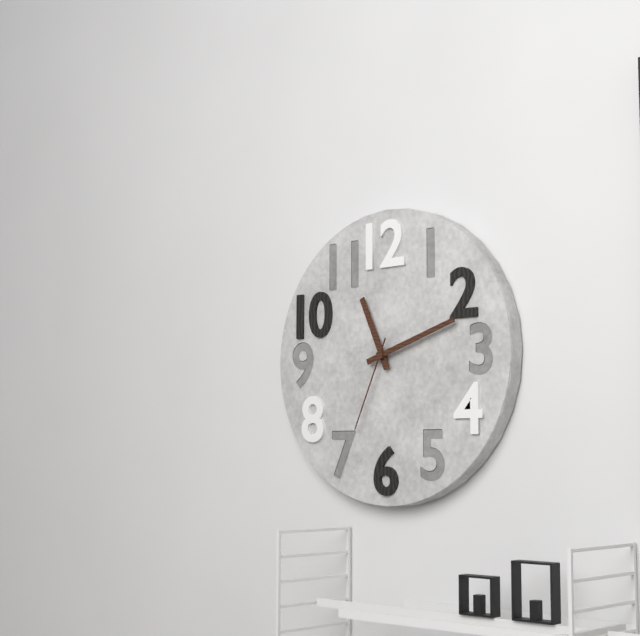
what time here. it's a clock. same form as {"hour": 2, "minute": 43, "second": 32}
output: {"hour": 11, "minute": 12, "second": 34}
